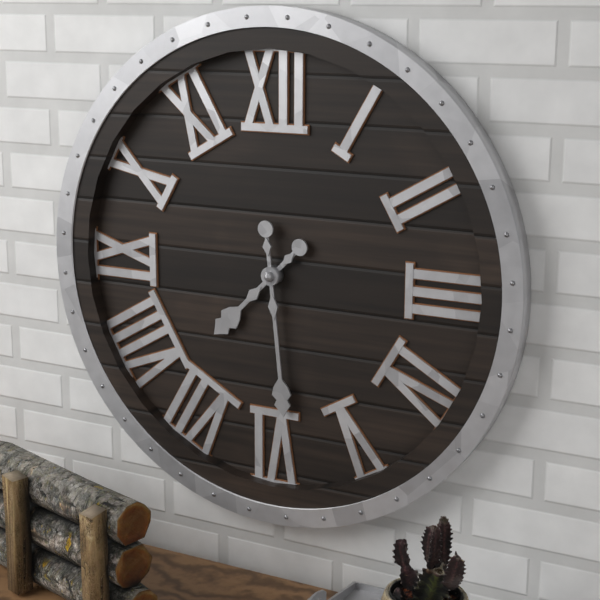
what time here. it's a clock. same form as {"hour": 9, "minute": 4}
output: {"hour": 7, "minute": 29}
